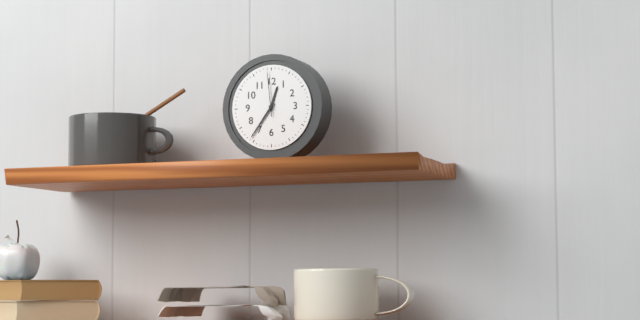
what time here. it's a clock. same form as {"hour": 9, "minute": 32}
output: {"hour": 12, "minute": 36}
